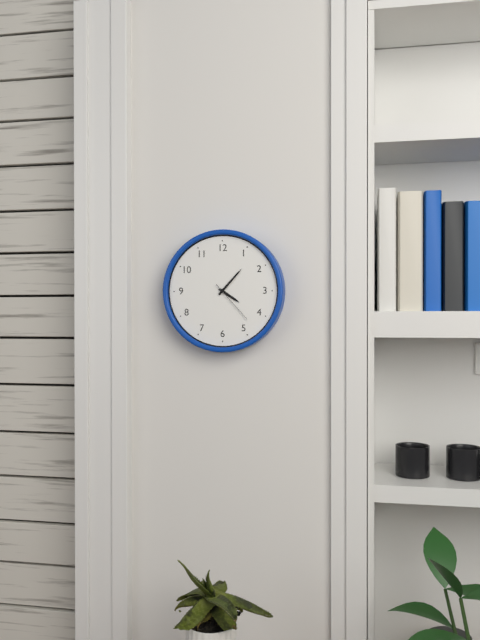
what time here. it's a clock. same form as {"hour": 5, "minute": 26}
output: {"hour": 4, "minute": 7}
